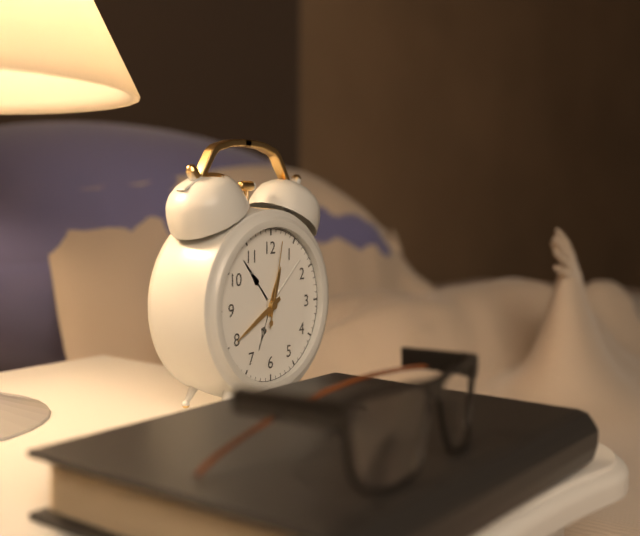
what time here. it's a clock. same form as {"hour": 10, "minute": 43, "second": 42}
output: {"hour": 12, "minute": 40, "second": 2}
